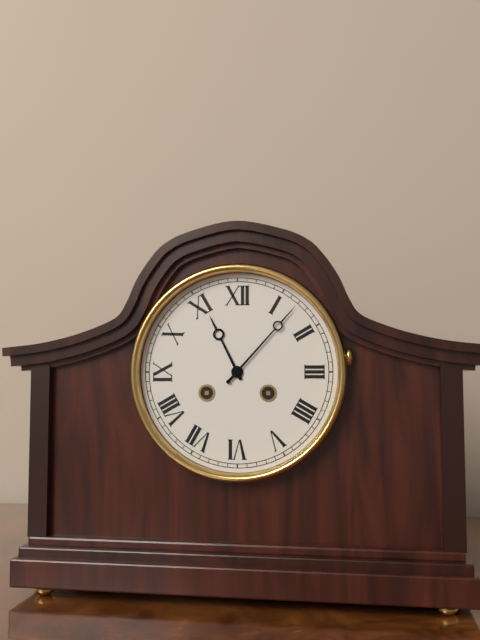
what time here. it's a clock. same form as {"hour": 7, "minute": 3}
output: {"hour": 11, "minute": 7}
